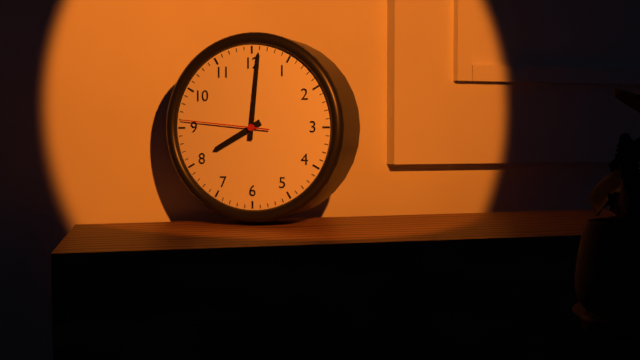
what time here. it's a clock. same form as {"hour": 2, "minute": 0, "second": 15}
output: {"hour": 8, "minute": 1, "second": 46}
